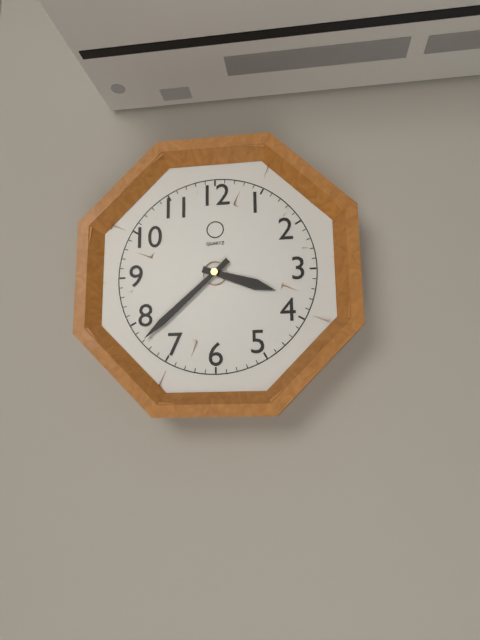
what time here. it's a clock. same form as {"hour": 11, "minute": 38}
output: {"hour": 3, "minute": 38}
